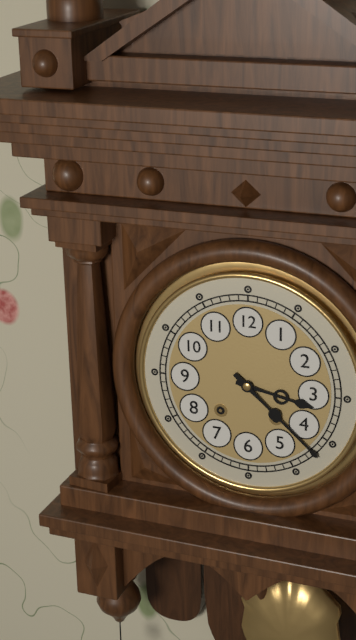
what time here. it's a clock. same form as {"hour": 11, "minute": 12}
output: {"hour": 3, "minute": 22}
